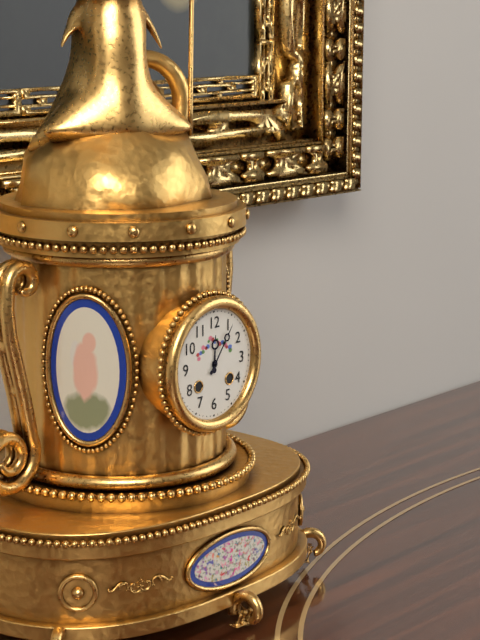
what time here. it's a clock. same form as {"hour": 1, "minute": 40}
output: {"hour": 12, "minute": 6}
